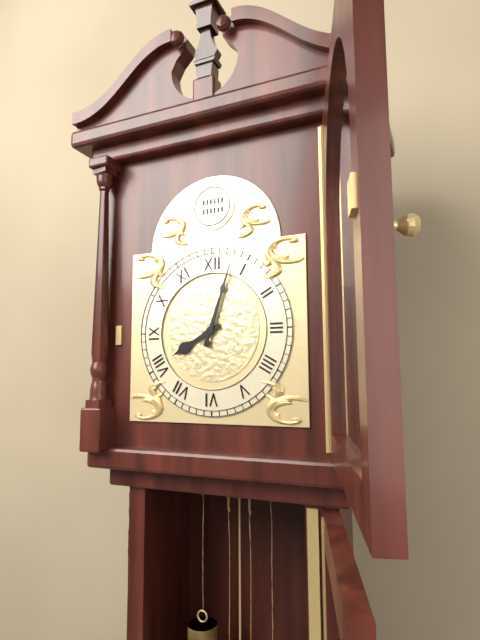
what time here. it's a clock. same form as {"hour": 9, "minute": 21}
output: {"hour": 8, "minute": 3}
